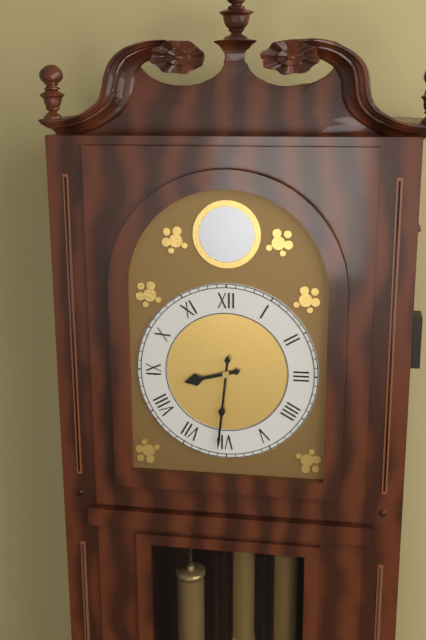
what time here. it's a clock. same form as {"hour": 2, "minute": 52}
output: {"hour": 8, "minute": 31}
